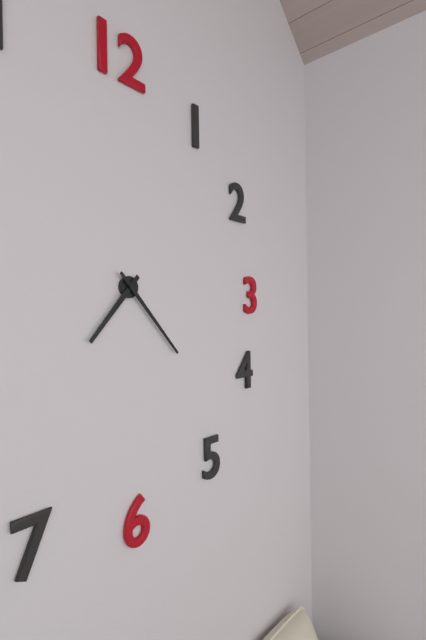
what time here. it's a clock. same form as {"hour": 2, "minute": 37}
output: {"hour": 7, "minute": 23}
